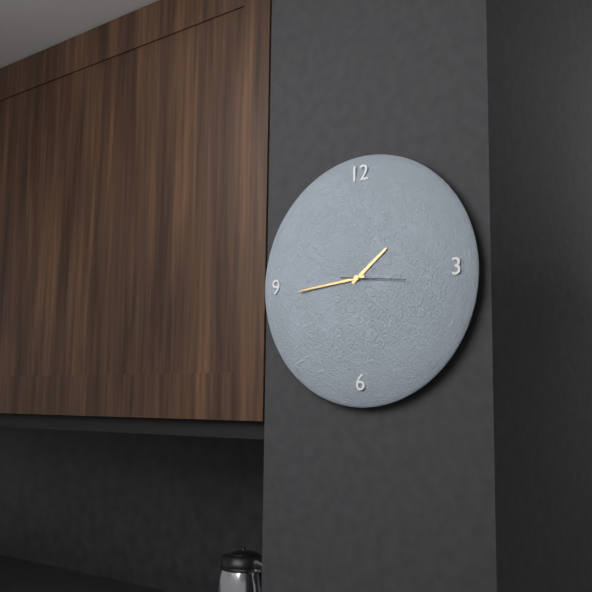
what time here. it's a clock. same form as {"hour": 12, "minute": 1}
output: {"hour": 1, "minute": 44}
